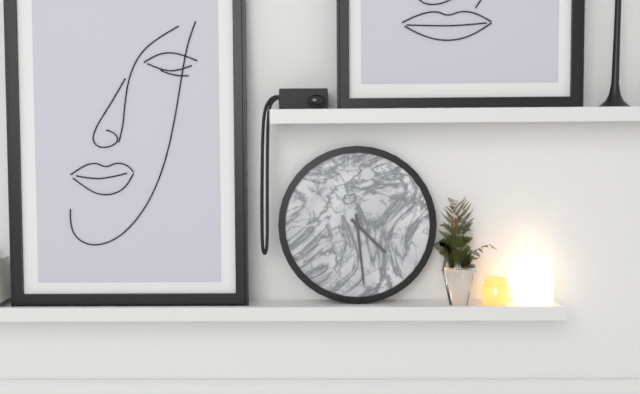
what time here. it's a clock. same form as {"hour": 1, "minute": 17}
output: {"hour": 4, "minute": 29}
